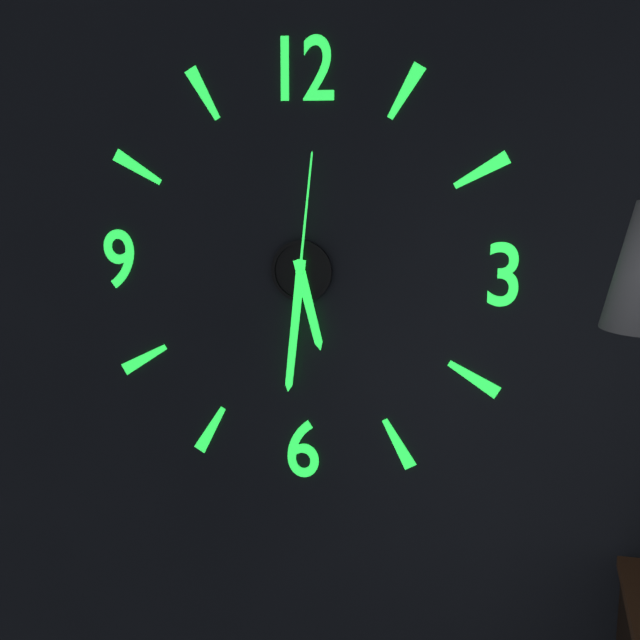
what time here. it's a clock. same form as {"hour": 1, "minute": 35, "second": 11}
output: {"hour": 5, "minute": 31, "second": 1}
